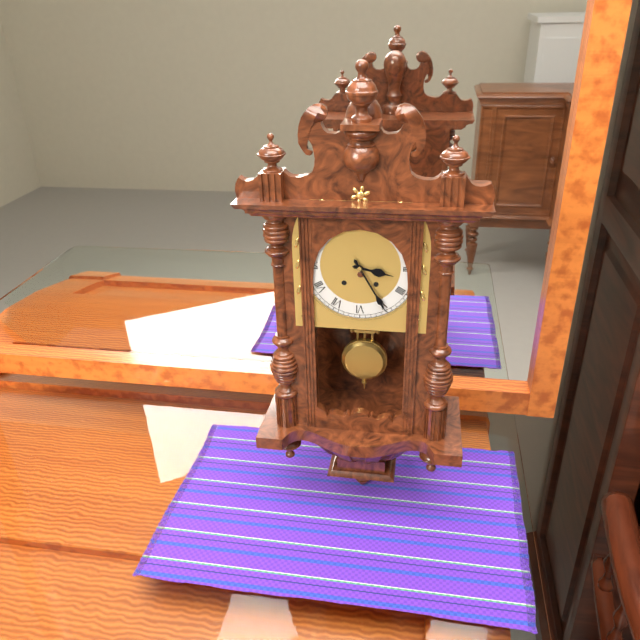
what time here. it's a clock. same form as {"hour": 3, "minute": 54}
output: {"hour": 3, "minute": 25}
